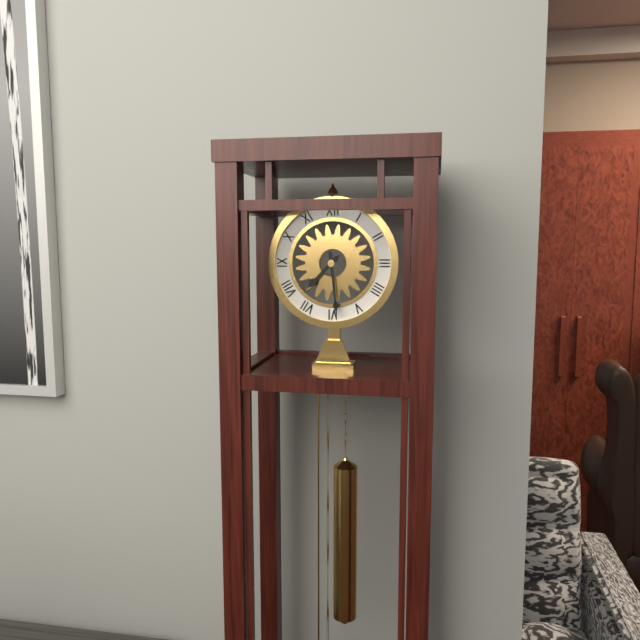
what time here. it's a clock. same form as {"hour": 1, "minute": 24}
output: {"hour": 7, "minute": 29}
